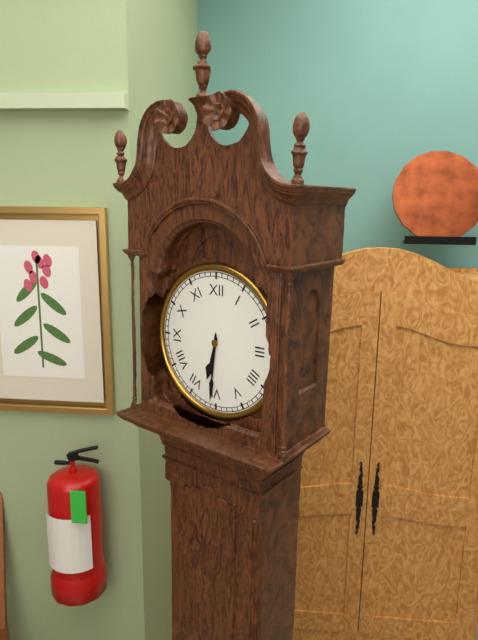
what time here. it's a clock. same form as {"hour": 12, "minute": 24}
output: {"hour": 6, "minute": 31}
